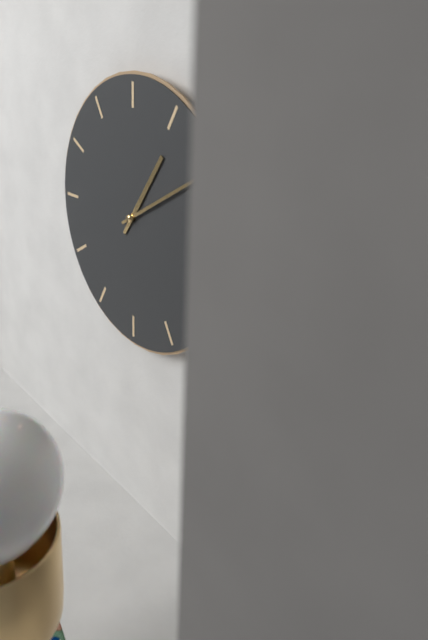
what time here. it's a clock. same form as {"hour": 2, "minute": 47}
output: {"hour": 1, "minute": 10}
